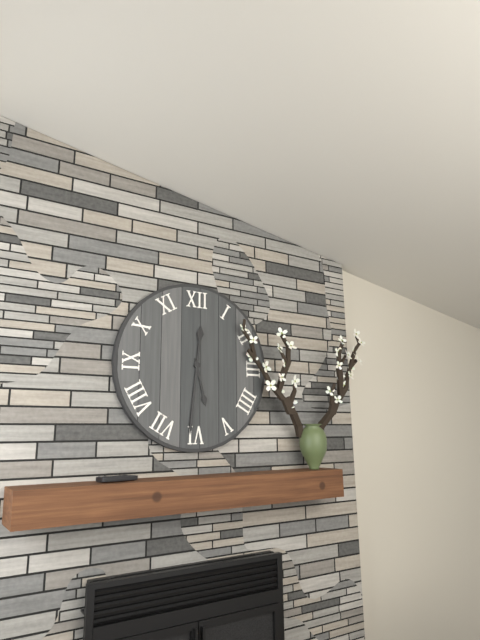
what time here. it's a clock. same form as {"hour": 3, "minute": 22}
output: {"hour": 5, "minute": 31}
